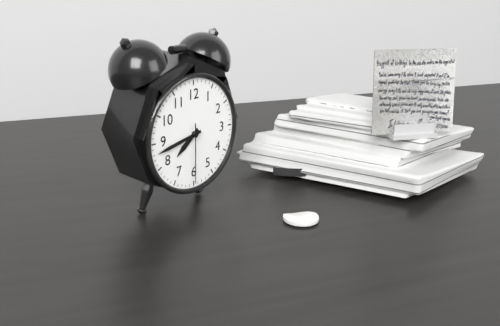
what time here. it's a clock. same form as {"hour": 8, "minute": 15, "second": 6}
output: {"hour": 7, "minute": 43, "second": 30}
